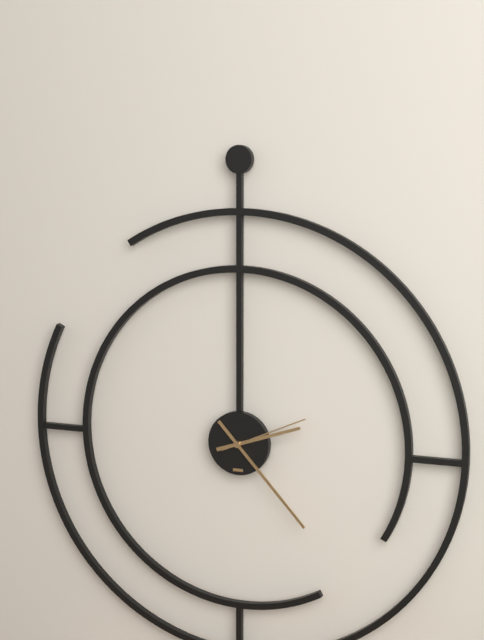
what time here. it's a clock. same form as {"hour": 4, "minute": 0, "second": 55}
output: {"hour": 2, "minute": 23, "second": 11}
